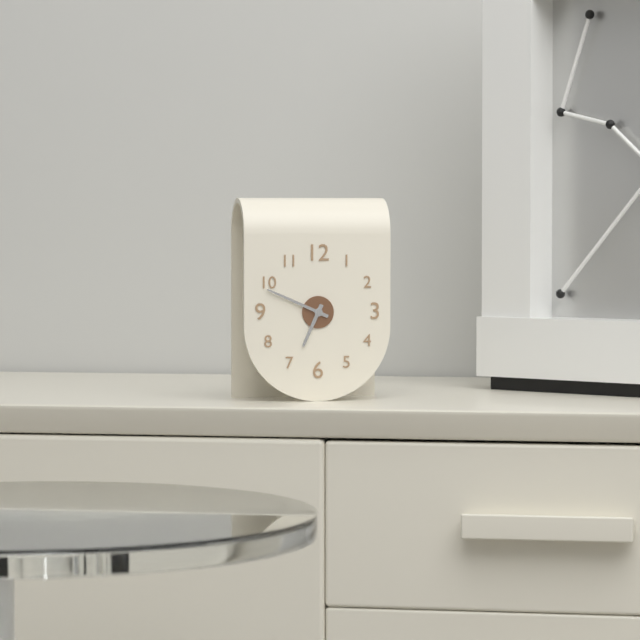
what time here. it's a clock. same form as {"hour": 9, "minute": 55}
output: {"hour": 6, "minute": 49}
